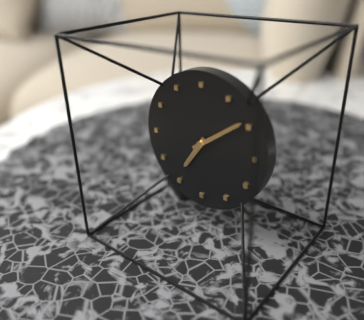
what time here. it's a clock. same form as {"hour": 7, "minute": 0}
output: {"hour": 7, "minute": 9}
